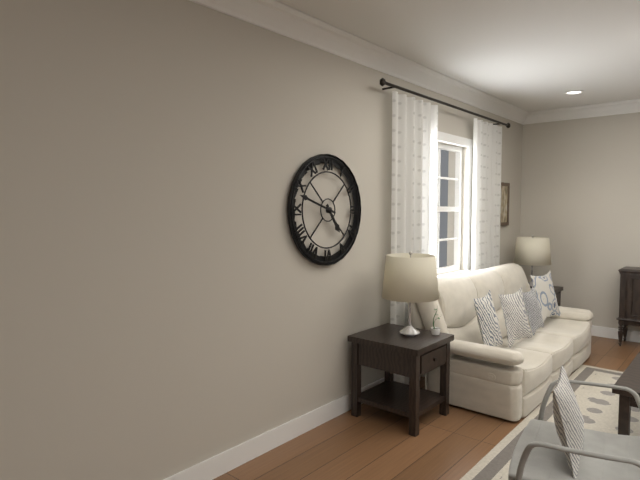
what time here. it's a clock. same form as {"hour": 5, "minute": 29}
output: {"hour": 4, "minute": 48}
